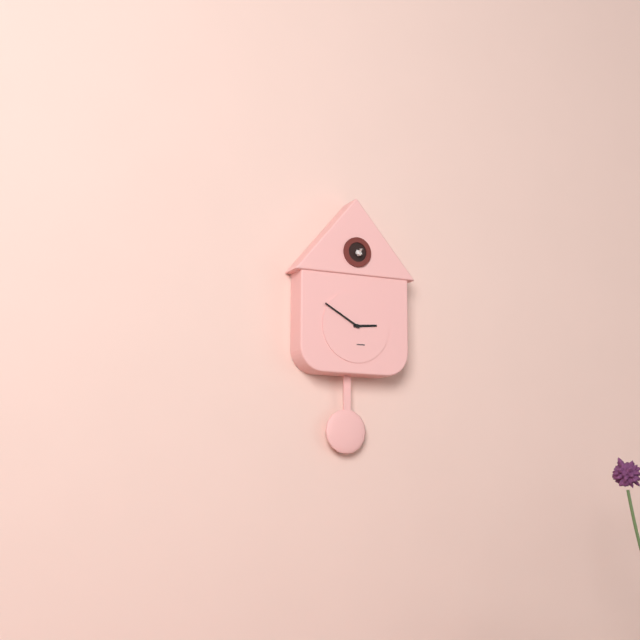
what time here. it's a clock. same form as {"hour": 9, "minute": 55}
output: {"hour": 2, "minute": 50}
